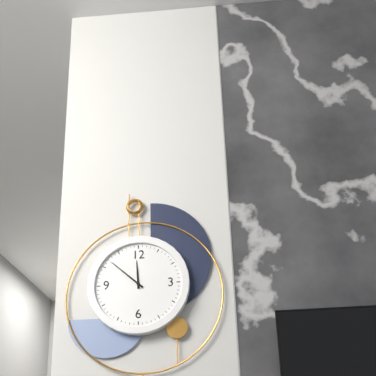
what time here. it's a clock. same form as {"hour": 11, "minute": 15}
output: {"hour": 11, "minute": 52}
